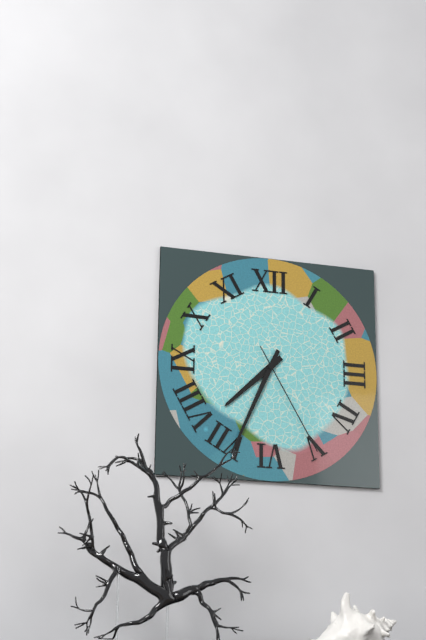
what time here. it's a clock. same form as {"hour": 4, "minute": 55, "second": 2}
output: {"hour": 7, "minute": 34, "second": 25}
